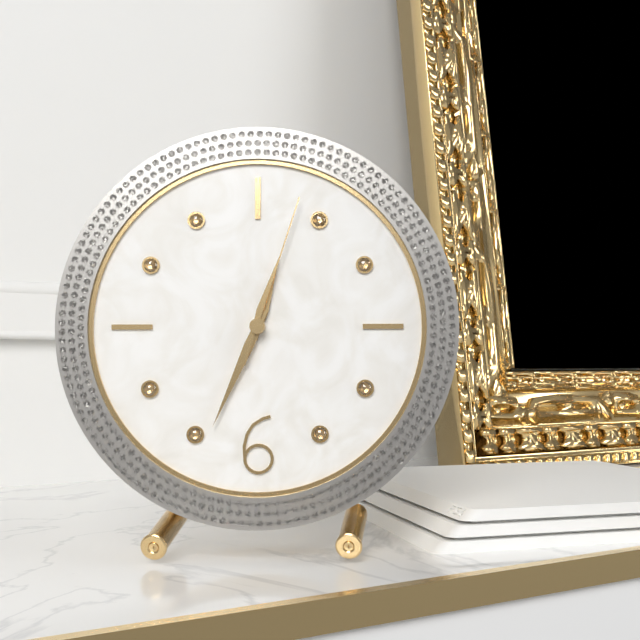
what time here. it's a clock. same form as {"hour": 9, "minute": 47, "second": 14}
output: {"hour": 12, "minute": 34, "second": 3}
